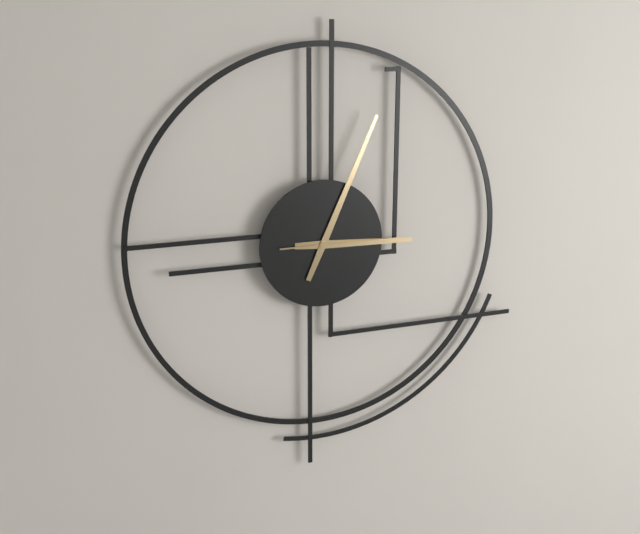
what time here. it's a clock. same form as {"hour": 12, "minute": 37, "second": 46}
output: {"hour": 3, "minute": 4, "second": 15}
